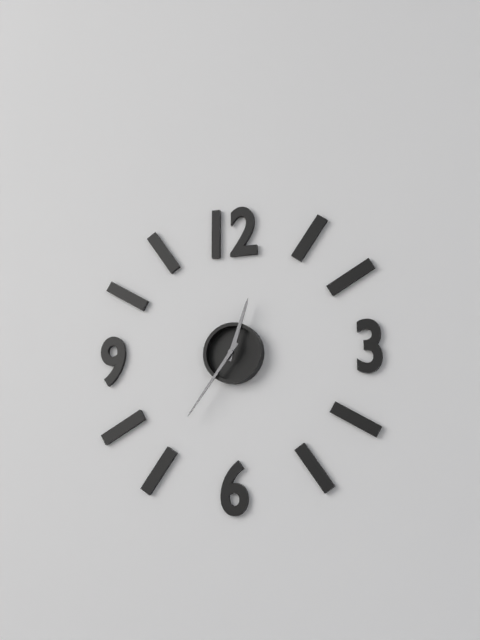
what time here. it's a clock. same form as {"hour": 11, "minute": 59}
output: {"hour": 12, "minute": 36}
